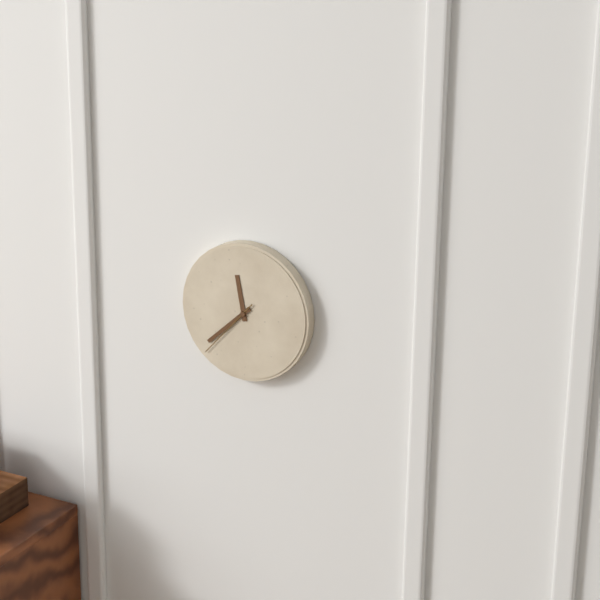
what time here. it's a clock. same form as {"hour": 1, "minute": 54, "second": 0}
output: {"hour": 11, "minute": 38, "second": 37}
